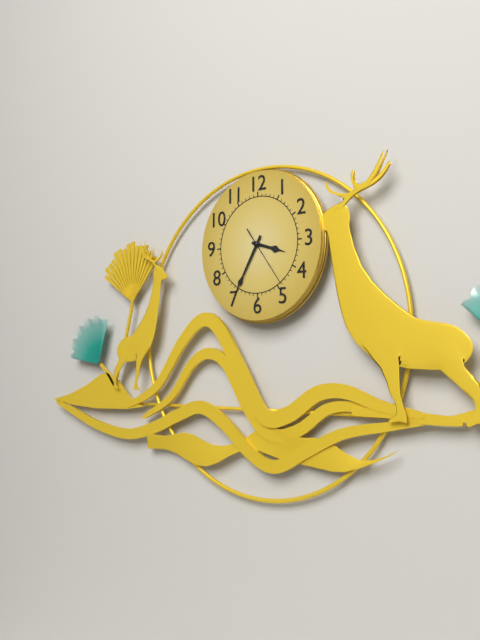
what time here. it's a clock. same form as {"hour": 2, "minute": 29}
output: {"hour": 3, "minute": 35}
